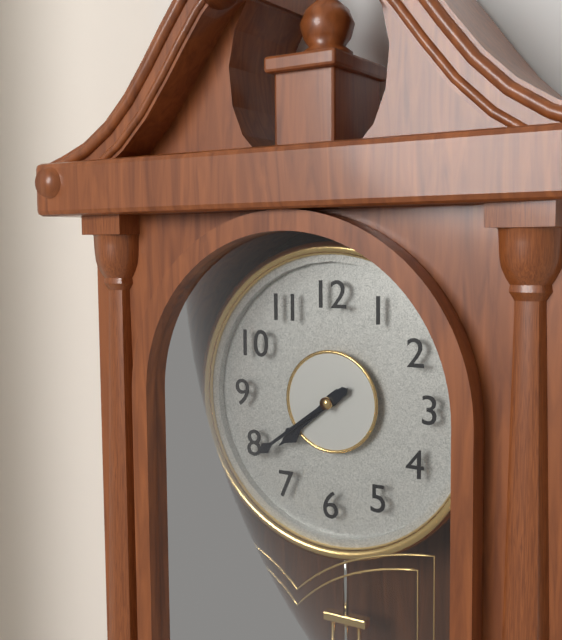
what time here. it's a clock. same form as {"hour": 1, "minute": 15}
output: {"hour": 7, "minute": 39}
